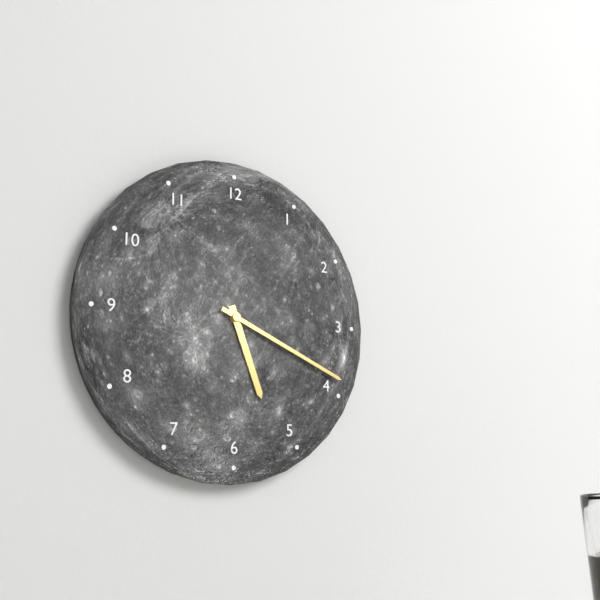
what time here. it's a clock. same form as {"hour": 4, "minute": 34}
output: {"hour": 5, "minute": 19}
